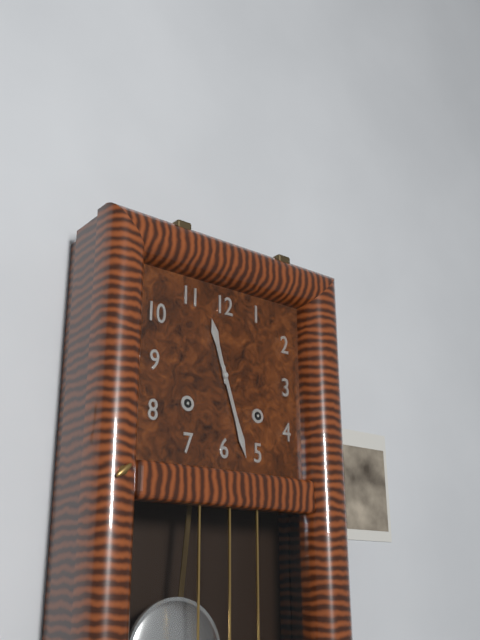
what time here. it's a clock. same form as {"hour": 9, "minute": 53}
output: {"hour": 11, "minute": 27}
